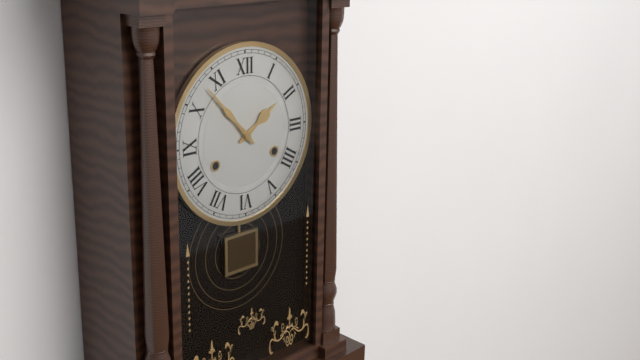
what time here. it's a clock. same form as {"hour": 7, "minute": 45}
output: {"hour": 1, "minute": 53}
